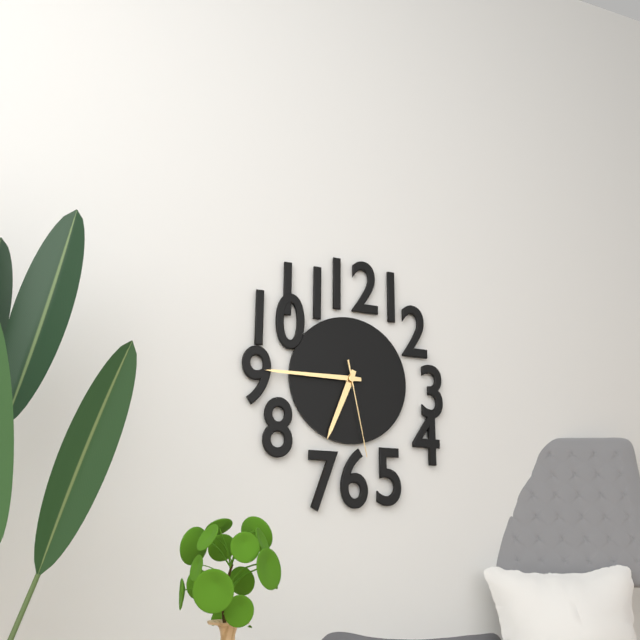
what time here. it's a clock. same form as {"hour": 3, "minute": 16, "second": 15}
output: {"hour": 6, "minute": 45, "second": 28}
